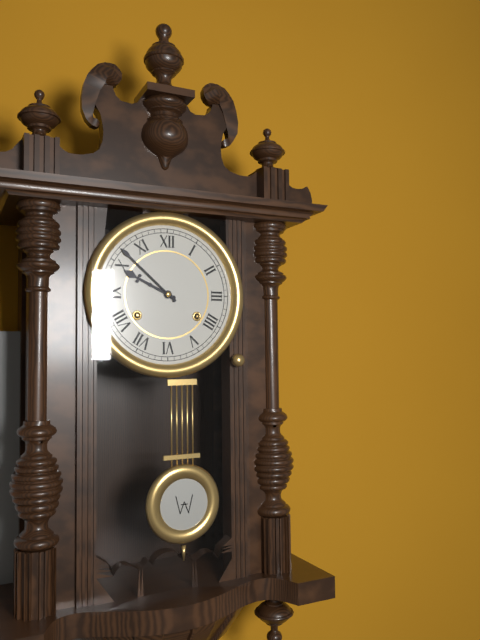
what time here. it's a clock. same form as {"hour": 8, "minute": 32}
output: {"hour": 9, "minute": 52}
